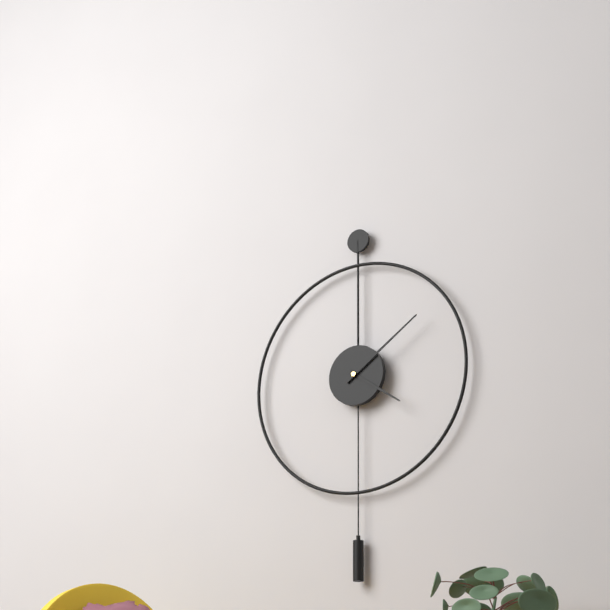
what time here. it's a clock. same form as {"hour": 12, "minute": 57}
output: {"hour": 4, "minute": 9}
